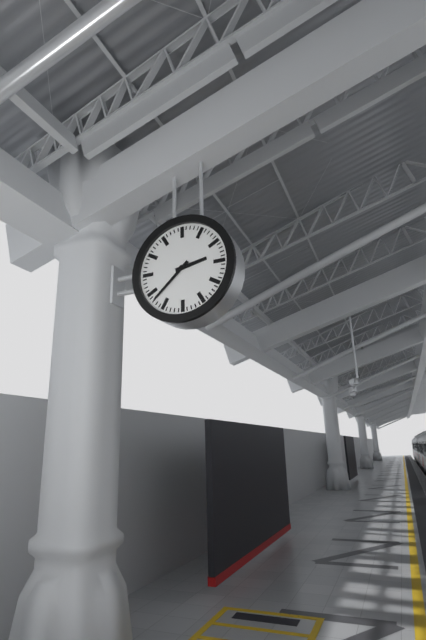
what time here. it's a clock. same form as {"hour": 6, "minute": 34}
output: {"hour": 2, "minute": 38}
